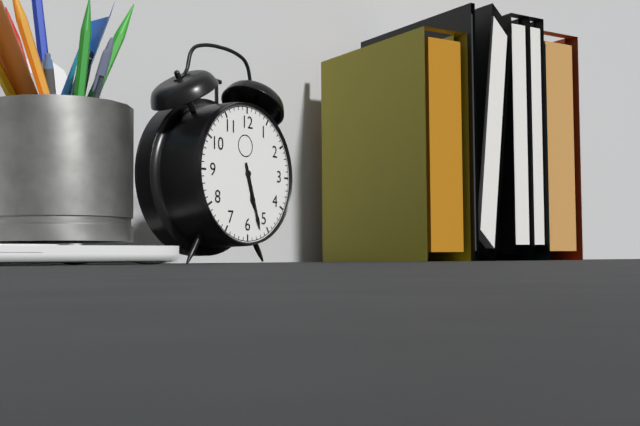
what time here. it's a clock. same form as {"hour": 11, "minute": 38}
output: {"hour": 5, "minute": 27}
